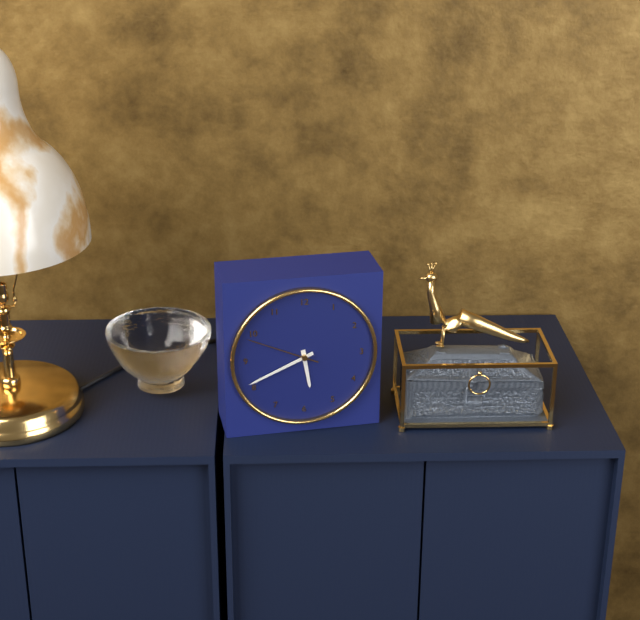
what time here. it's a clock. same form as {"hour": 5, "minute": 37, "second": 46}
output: {"hour": 5, "minute": 41, "second": 49}
